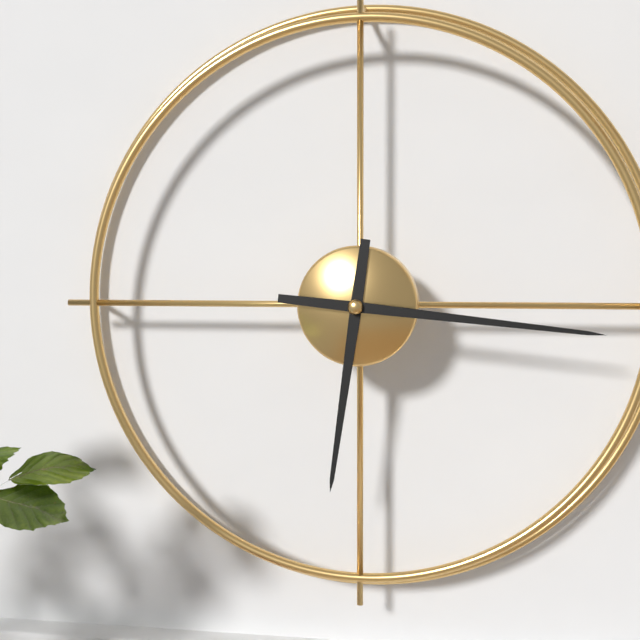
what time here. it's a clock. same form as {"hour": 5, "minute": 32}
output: {"hour": 6, "minute": 16}
